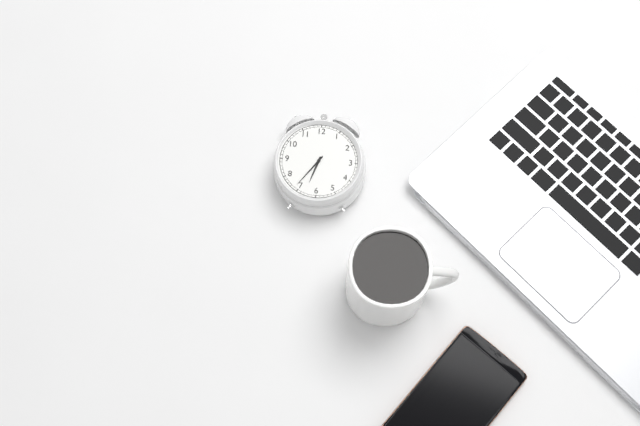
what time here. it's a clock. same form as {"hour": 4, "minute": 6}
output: {"hour": 6, "minute": 36}
